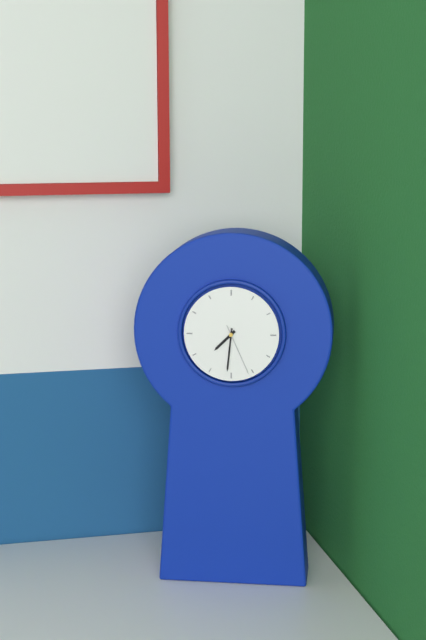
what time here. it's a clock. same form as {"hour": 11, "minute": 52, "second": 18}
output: {"hour": 7, "minute": 31, "second": 26}
